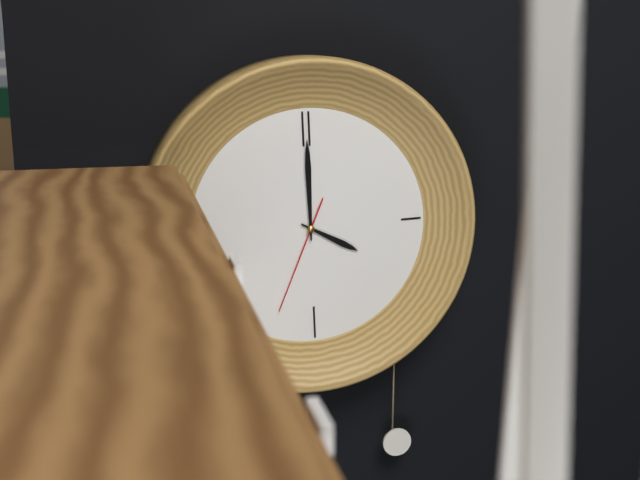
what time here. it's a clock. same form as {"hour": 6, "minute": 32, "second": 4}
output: {"hour": 4, "minute": 0, "second": 34}
